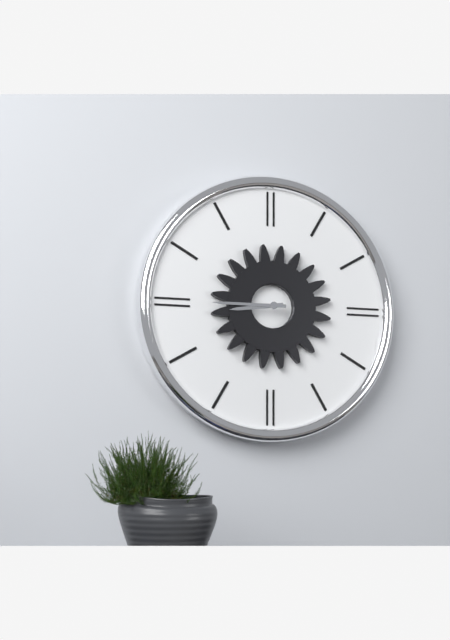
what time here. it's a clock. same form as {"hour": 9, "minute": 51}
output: {"hour": 8, "minute": 45}
